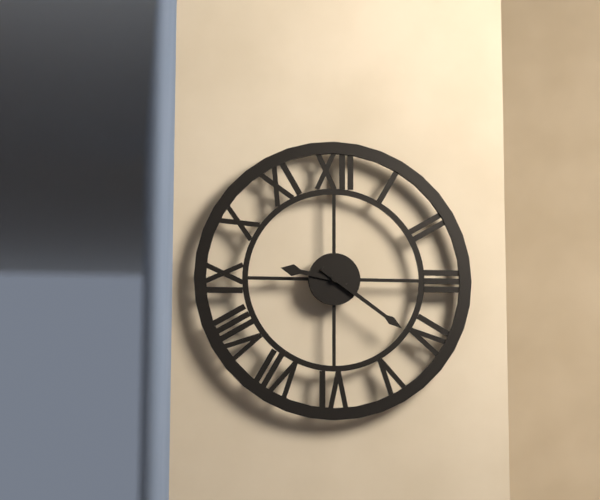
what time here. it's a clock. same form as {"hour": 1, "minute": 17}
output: {"hour": 9, "minute": 21}
